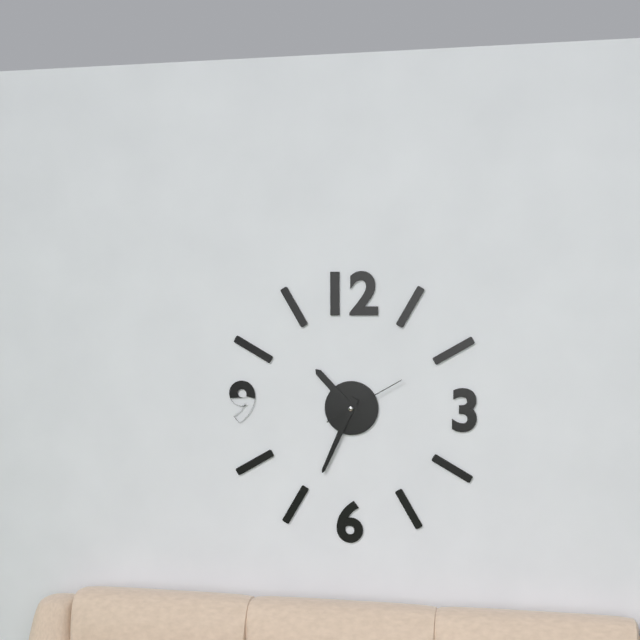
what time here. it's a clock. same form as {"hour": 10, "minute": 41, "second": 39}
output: {"hour": 10, "minute": 34, "second": 10}
